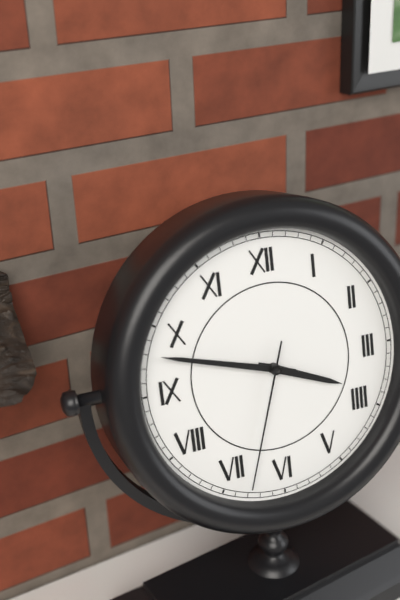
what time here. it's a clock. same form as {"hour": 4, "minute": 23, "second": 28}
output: {"hour": 3, "minute": 48, "second": 33}
